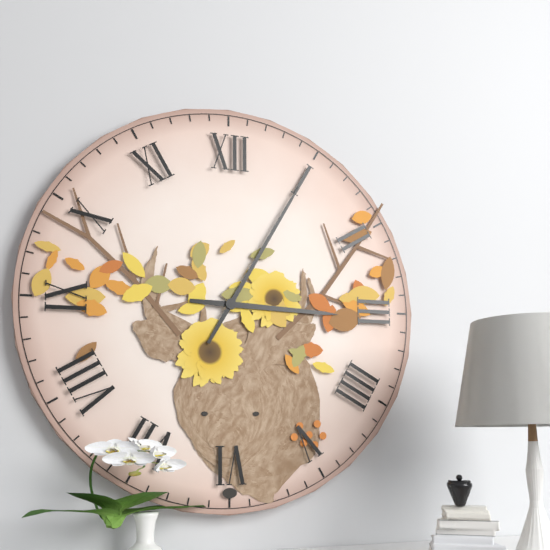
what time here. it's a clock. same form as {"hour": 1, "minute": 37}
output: {"hour": 3, "minute": 5}
